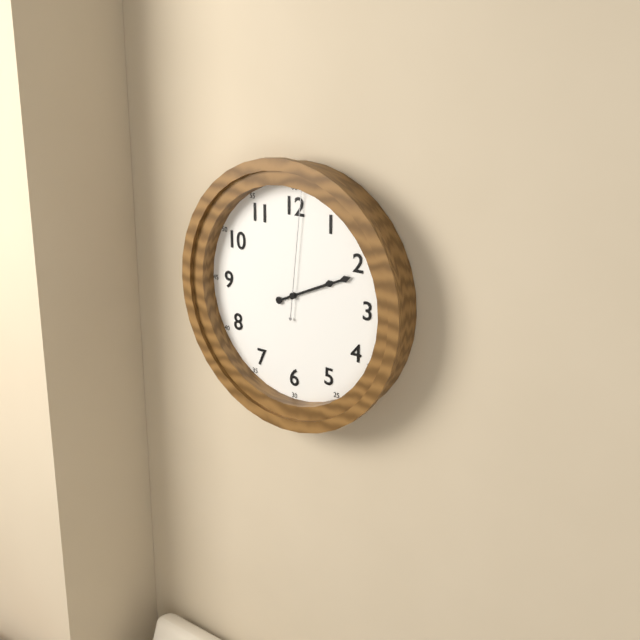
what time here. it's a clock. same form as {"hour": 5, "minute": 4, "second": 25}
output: {"hour": 2, "minute": 11, "second": 1}
